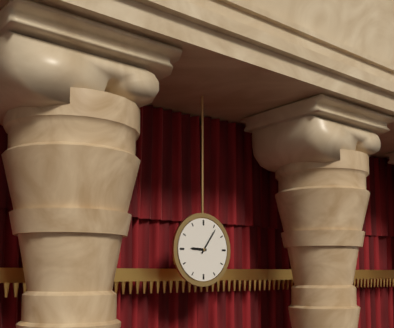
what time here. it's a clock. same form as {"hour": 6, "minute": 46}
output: {"hour": 9, "minute": 6}
